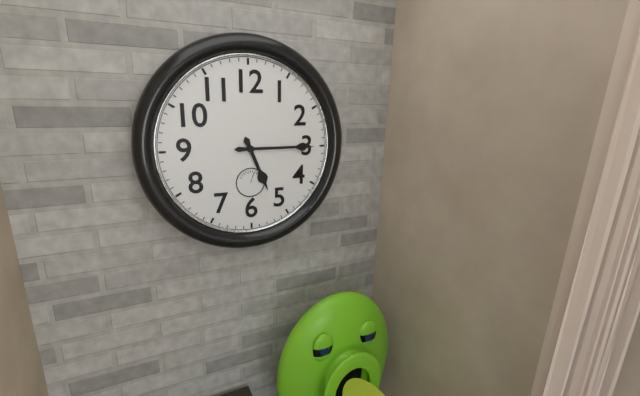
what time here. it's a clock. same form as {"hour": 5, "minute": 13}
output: {"hour": 5, "minute": 15}
